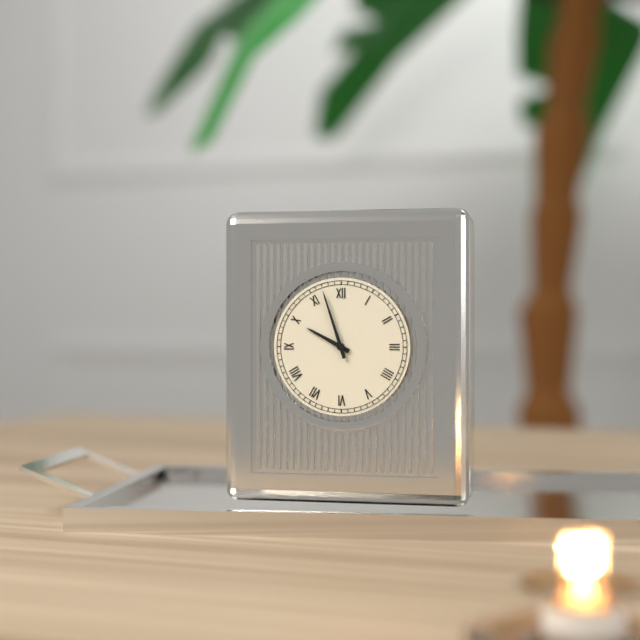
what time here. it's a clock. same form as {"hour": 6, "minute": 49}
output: {"hour": 9, "minute": 57}
